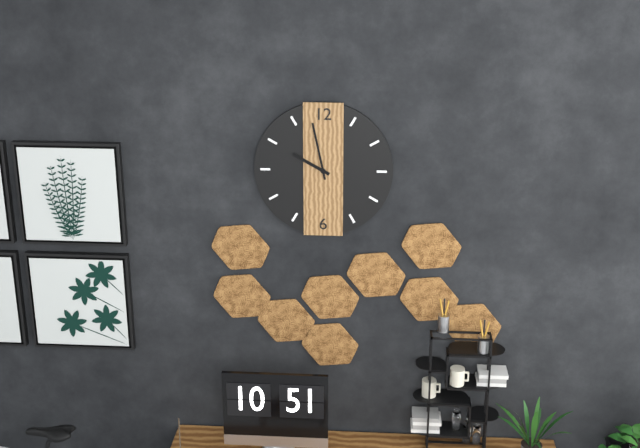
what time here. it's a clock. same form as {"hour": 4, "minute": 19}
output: {"hour": 9, "minute": 58}
